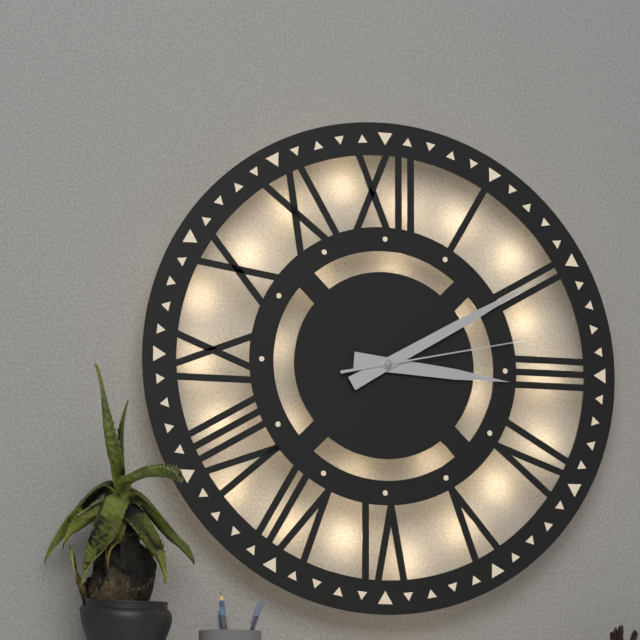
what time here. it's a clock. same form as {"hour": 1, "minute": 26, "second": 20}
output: {"hour": 3, "minute": 10, "second": 13}
